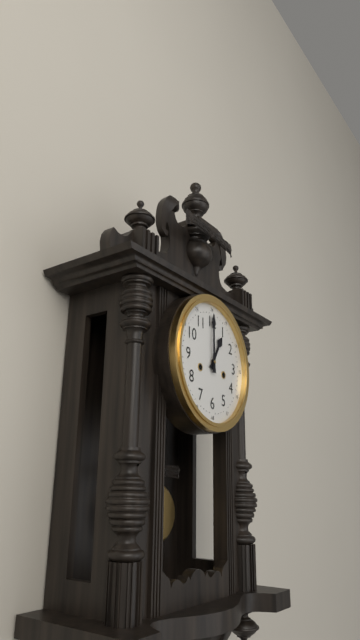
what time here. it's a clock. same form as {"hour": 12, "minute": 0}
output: {"hour": 1, "minute": 0}
